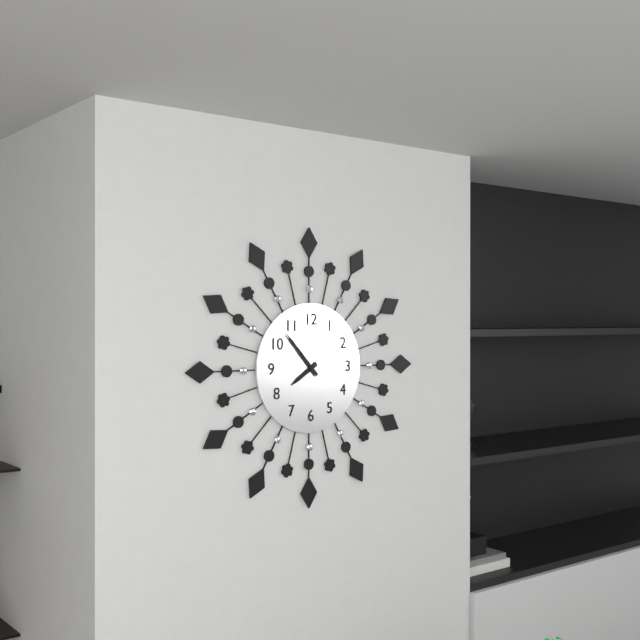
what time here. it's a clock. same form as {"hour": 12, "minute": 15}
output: {"hour": 7, "minute": 53}
